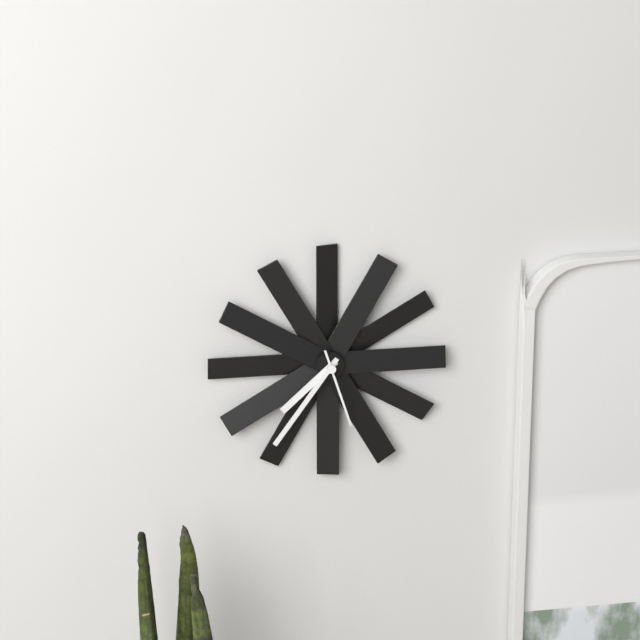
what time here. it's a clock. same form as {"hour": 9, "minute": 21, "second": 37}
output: {"hour": 7, "minute": 36, "second": 27}
